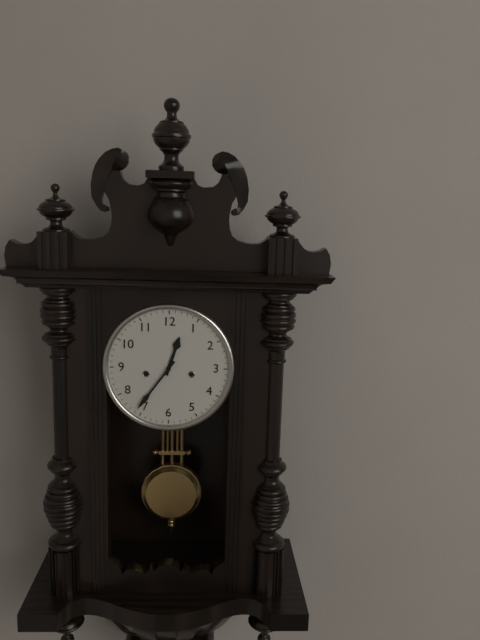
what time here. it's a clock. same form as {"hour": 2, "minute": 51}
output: {"hour": 12, "minute": 36}
